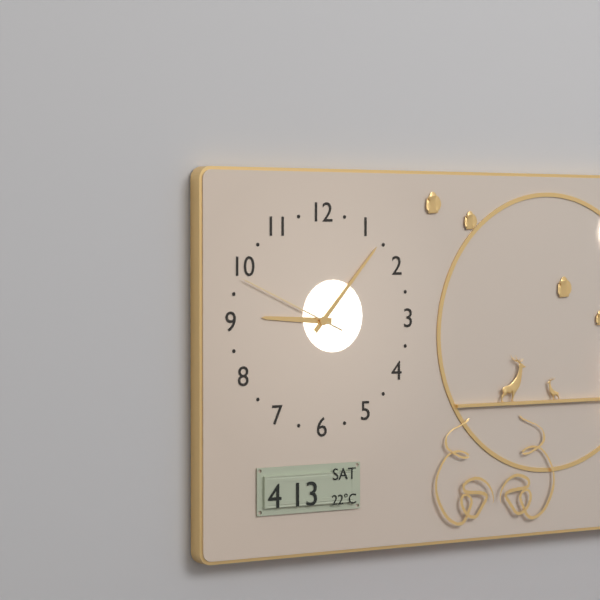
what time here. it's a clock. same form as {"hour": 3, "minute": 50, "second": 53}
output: {"hour": 9, "minute": 7, "second": 49}
